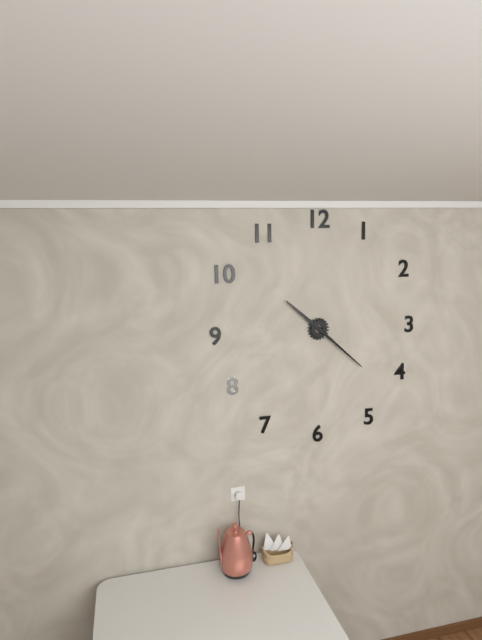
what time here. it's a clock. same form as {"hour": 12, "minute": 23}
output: {"hour": 10, "minute": 22}
